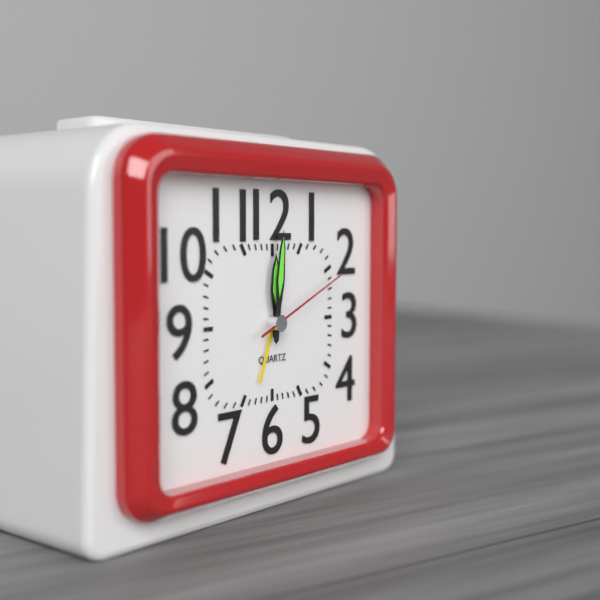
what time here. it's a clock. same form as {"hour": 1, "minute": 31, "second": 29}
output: {"hour": 12, "minute": 1, "second": 11}
